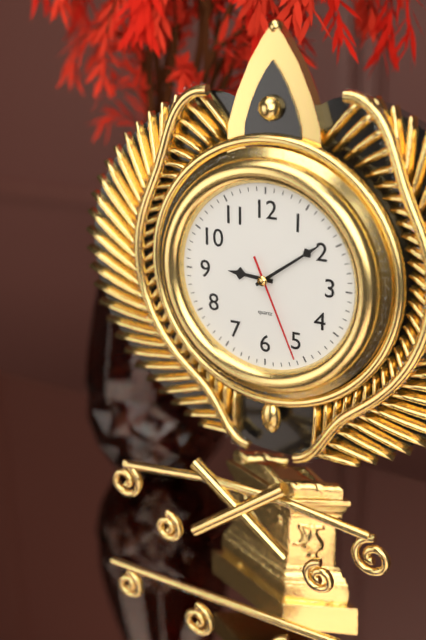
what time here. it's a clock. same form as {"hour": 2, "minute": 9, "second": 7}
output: {"hour": 9, "minute": 9, "second": 26}
